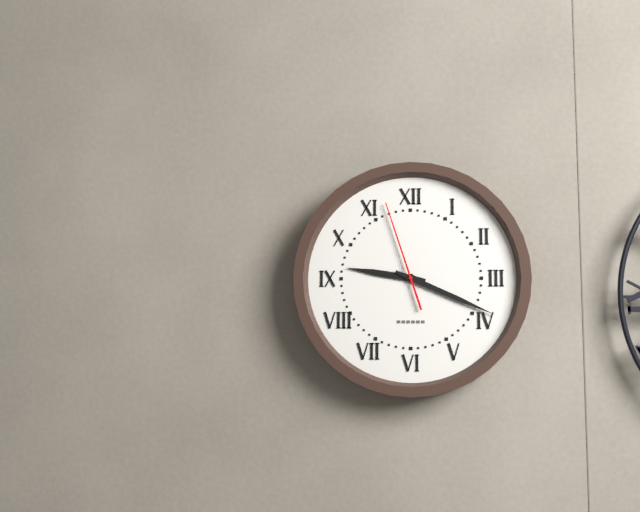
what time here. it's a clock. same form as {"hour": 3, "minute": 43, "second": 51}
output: {"hour": 9, "minute": 19, "second": 57}
